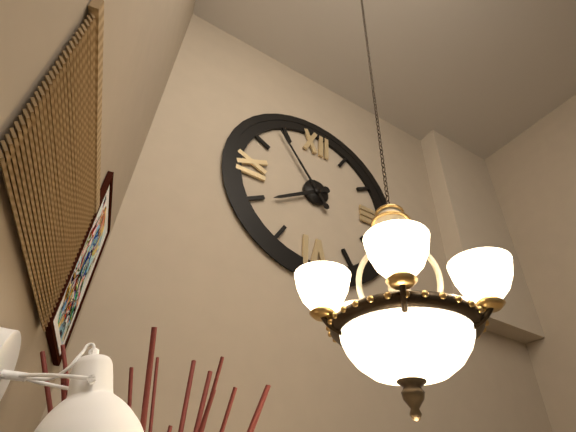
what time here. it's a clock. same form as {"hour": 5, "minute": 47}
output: {"hour": 7, "minute": 54}
